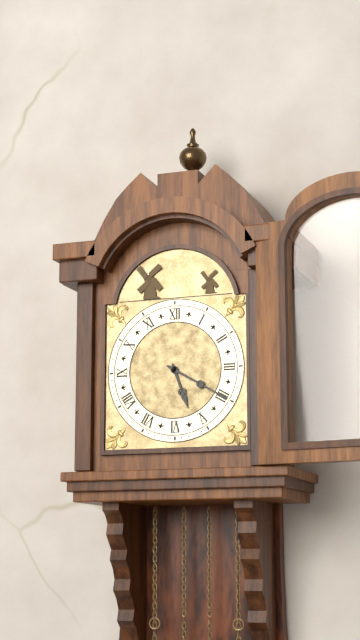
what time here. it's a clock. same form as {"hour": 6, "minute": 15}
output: {"hour": 5, "minute": 20}
